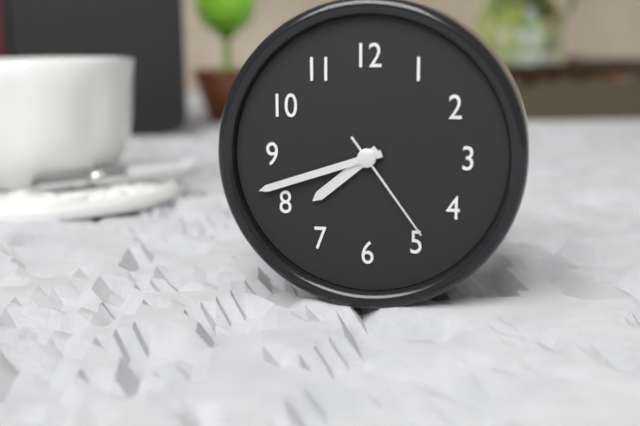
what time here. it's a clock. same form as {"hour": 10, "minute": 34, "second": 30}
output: {"hour": 7, "minute": 42, "second": 24}
